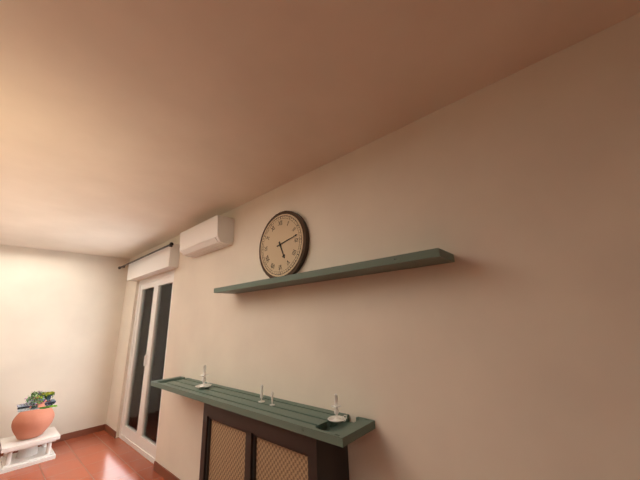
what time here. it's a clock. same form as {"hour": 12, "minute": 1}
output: {"hour": 5, "minute": 13}
